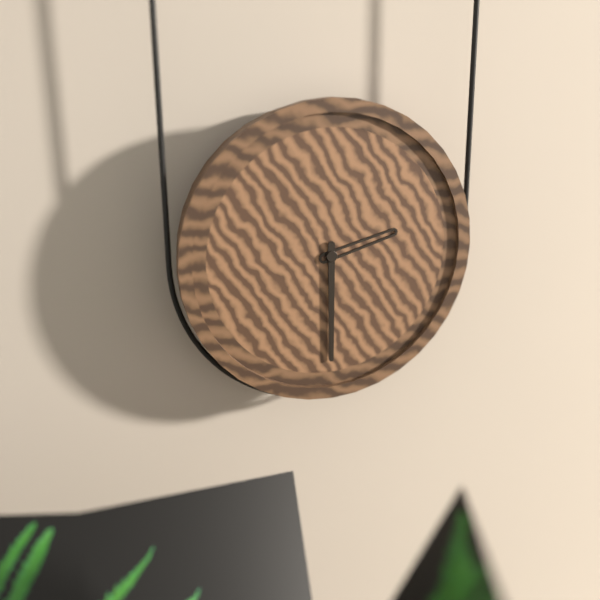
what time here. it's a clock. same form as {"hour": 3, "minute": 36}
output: {"hour": 2, "minute": 30}
